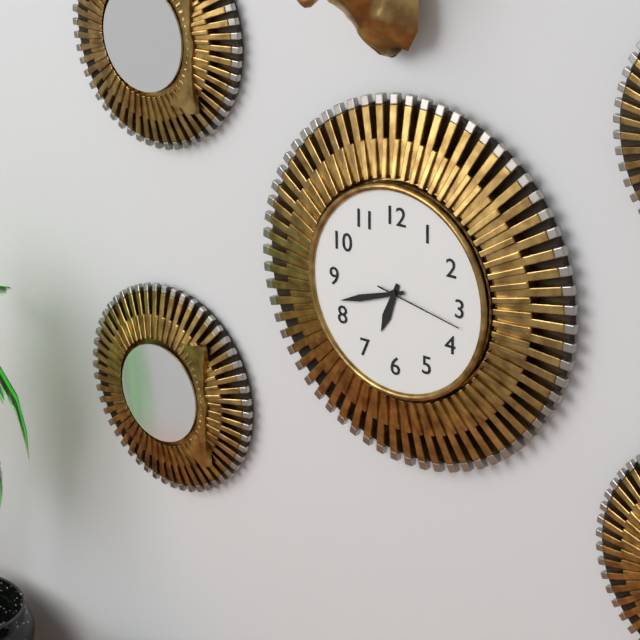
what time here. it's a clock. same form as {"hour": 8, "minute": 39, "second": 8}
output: {"hour": 6, "minute": 42, "second": 17}
